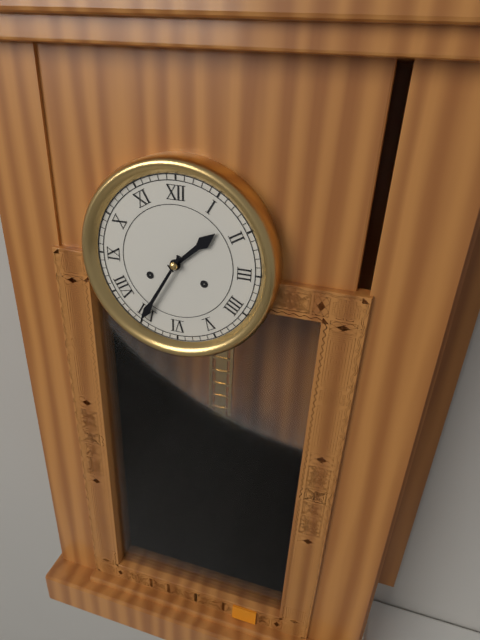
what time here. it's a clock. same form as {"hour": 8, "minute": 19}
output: {"hour": 1, "minute": 35}
